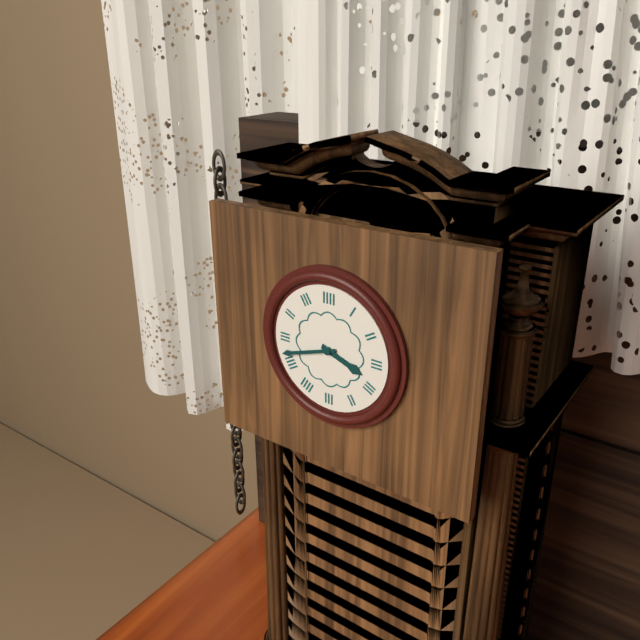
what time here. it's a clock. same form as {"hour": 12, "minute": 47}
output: {"hour": 3, "minute": 42}
